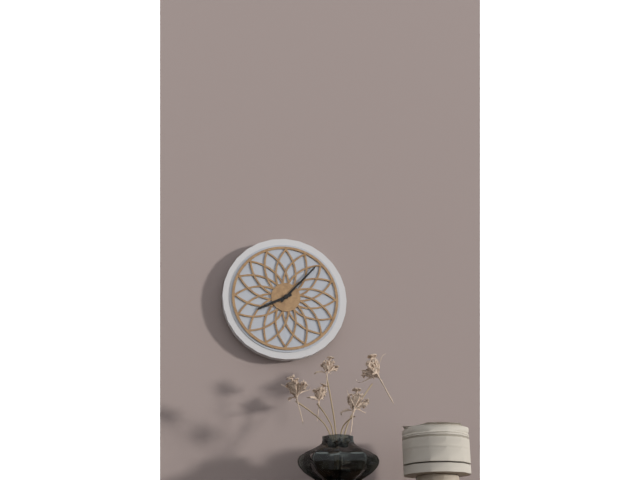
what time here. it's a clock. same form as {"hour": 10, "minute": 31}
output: {"hour": 8, "minute": 7}
